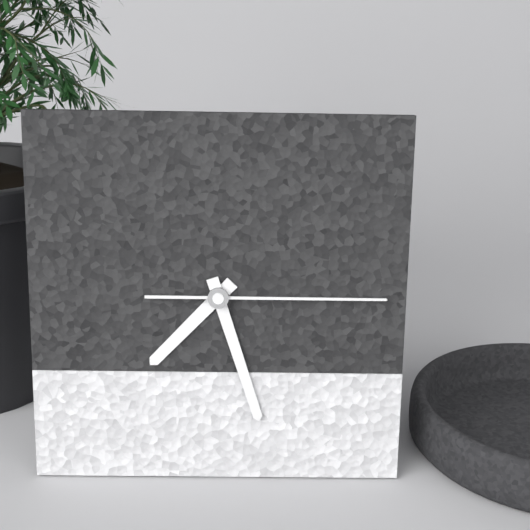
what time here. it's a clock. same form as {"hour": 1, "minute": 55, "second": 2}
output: {"hour": 7, "minute": 27, "second": 15}
